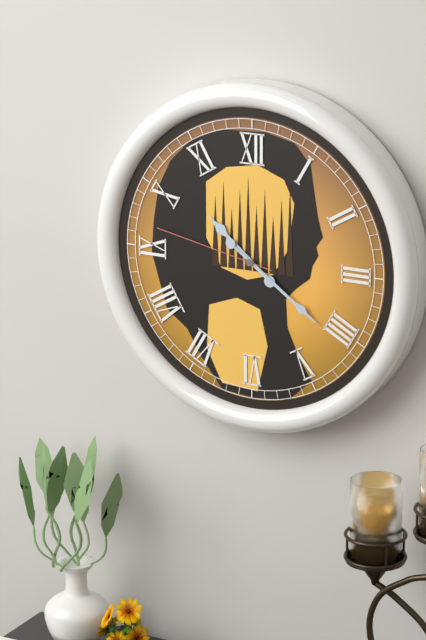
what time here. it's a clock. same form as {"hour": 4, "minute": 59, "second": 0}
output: {"hour": 10, "minute": 21, "second": 47}
